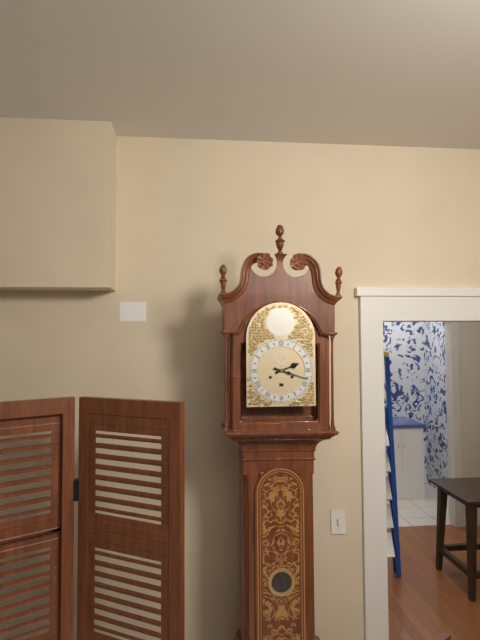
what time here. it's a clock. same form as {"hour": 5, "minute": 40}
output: {"hour": 2, "minute": 18}
